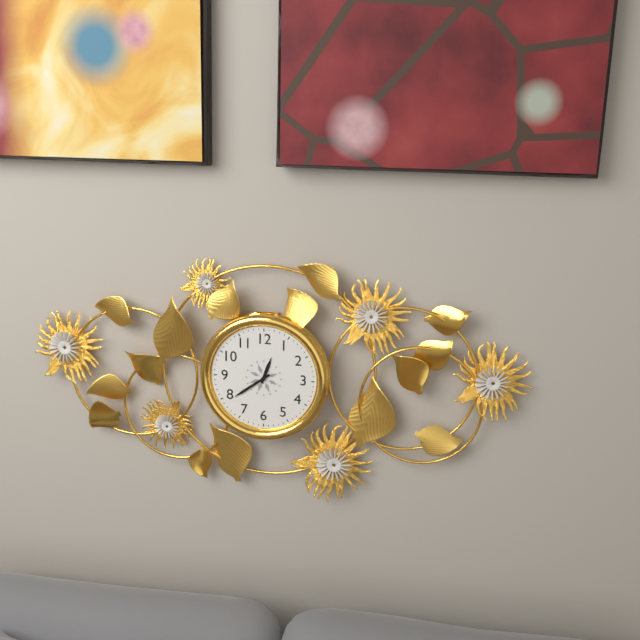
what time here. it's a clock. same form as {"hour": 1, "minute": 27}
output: {"hour": 12, "minute": 39}
